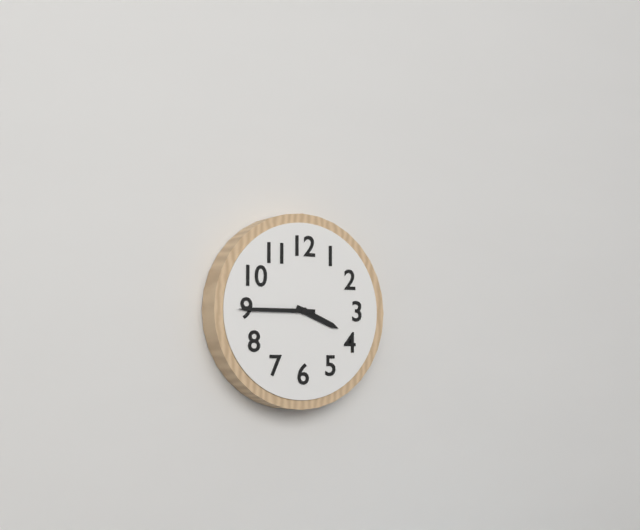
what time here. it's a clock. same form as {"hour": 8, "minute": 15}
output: {"hour": 3, "minute": 45}
